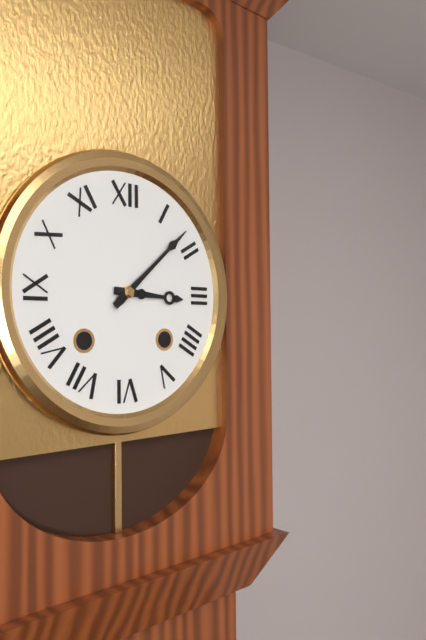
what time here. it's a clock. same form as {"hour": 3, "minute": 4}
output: {"hour": 3, "minute": 8}
